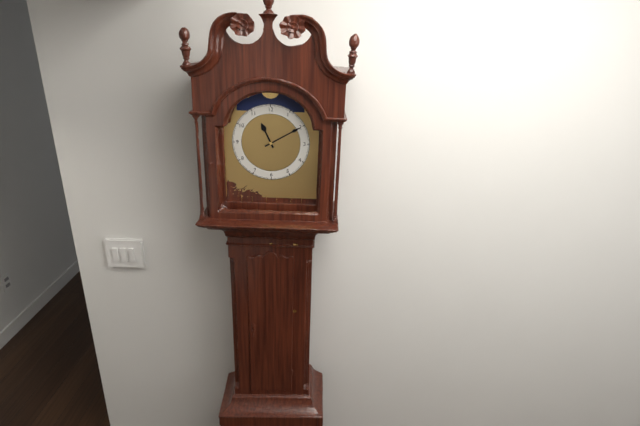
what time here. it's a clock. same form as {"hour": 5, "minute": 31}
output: {"hour": 11, "minute": 10}
